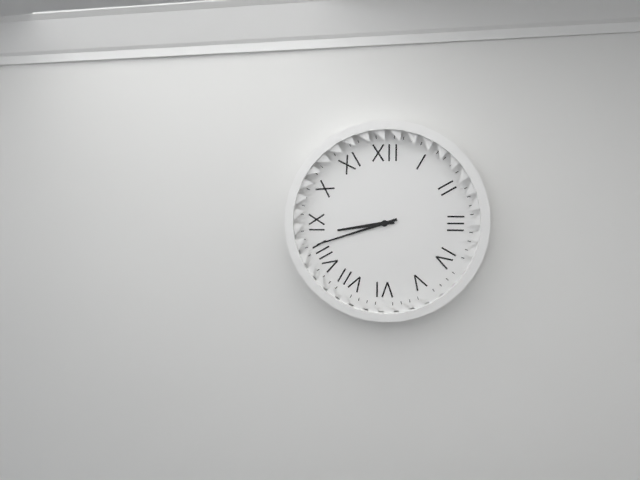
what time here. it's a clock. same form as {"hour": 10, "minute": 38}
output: {"hour": 8, "minute": 42}
